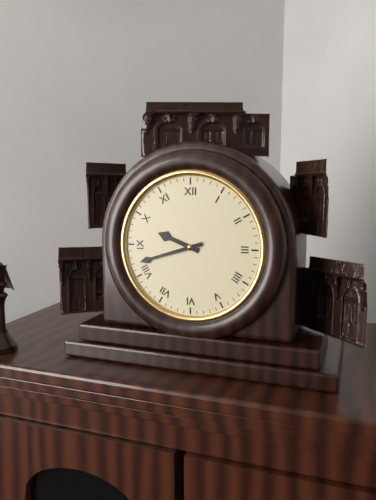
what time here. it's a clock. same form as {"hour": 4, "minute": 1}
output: {"hour": 9, "minute": 42}
